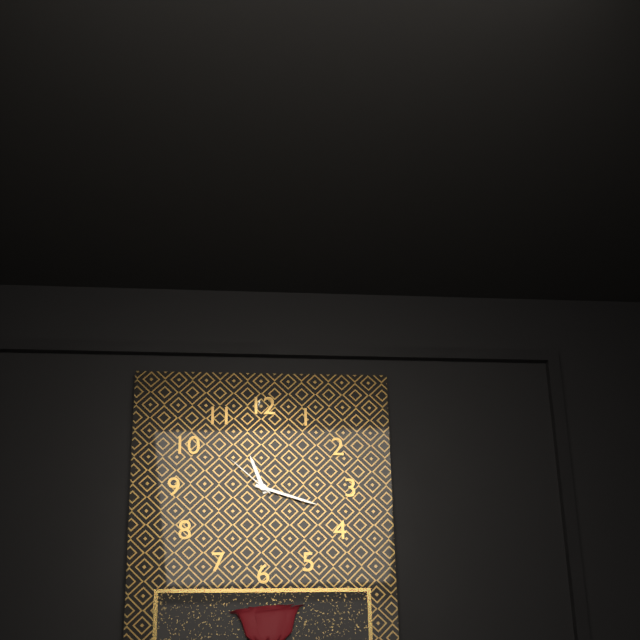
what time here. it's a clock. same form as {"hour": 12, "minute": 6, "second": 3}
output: {"hour": 11, "minute": 18, "second": 52}
